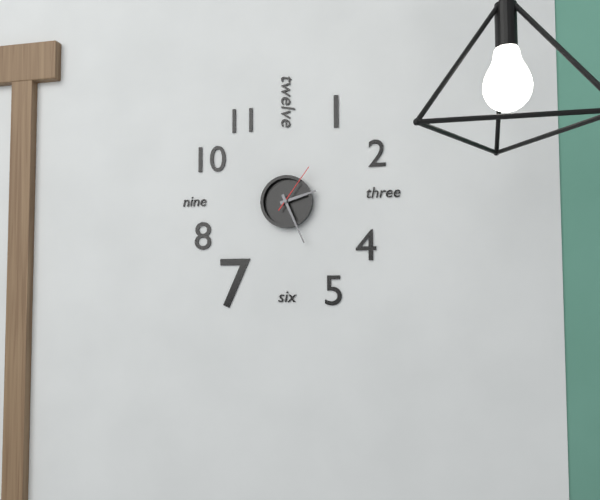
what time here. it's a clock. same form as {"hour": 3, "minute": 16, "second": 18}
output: {"hour": 2, "minute": 26, "second": 6}
